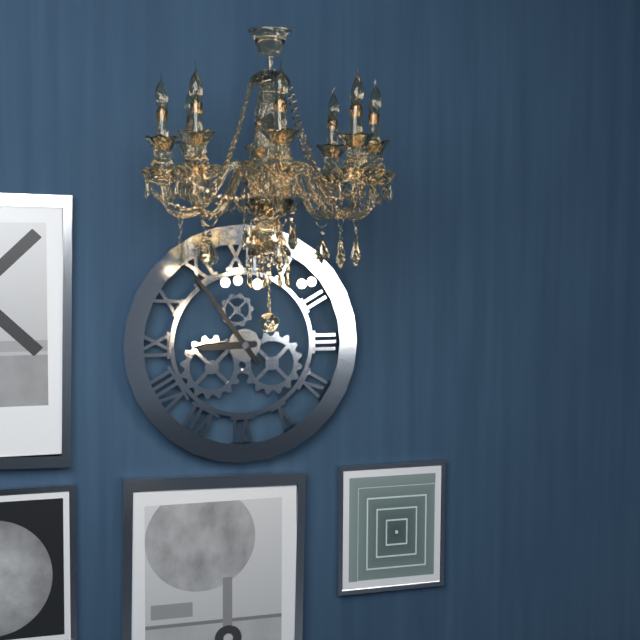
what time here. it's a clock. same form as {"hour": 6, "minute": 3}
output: {"hour": 8, "minute": 54}
